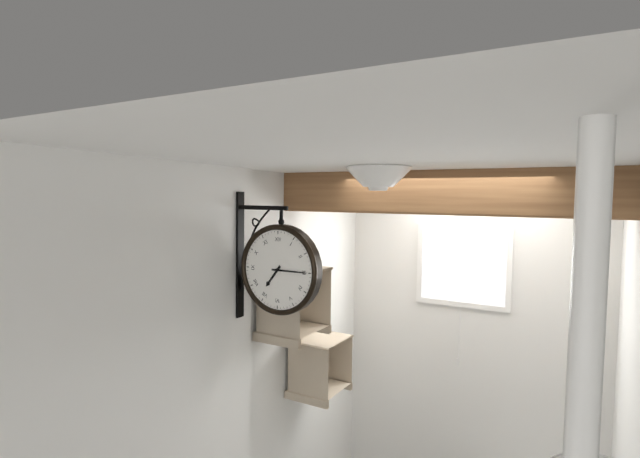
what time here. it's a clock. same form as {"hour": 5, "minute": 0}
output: {"hour": 7, "minute": 15}
